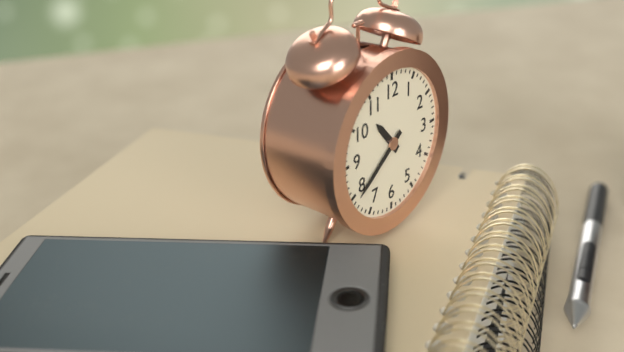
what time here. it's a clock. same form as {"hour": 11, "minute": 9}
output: {"hour": 10, "minute": 39}
